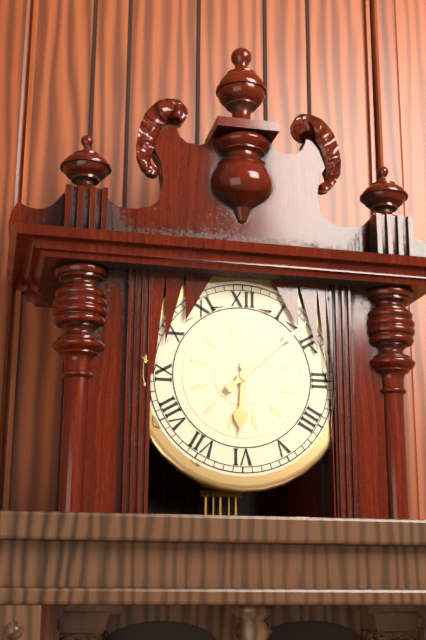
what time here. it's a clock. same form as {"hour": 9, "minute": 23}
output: {"hour": 6, "minute": 8}
